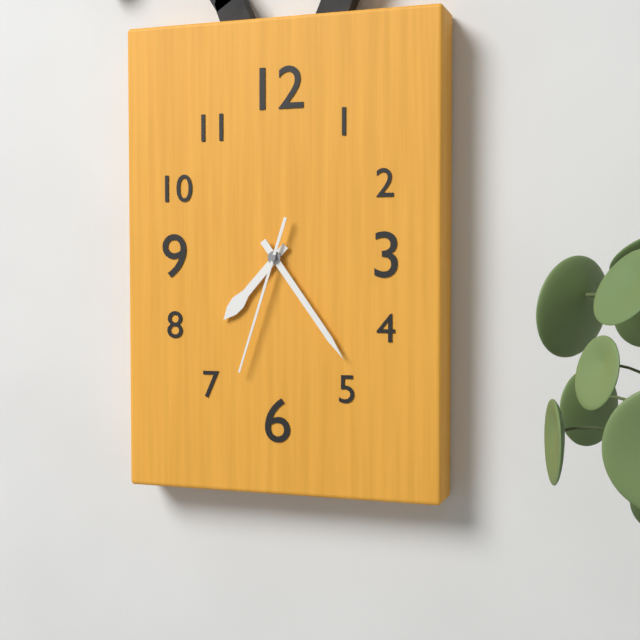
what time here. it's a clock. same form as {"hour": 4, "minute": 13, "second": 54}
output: {"hour": 7, "minute": 24, "second": 33}
